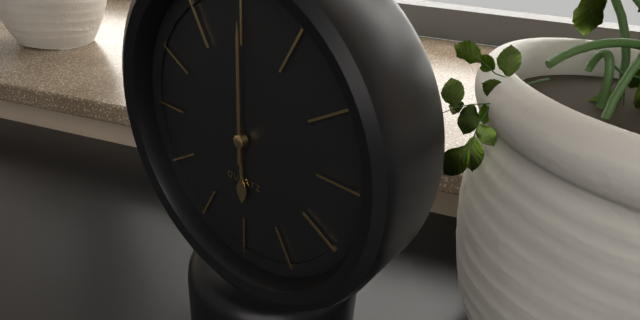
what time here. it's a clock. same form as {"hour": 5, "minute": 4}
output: {"hour": 6, "minute": 0}
